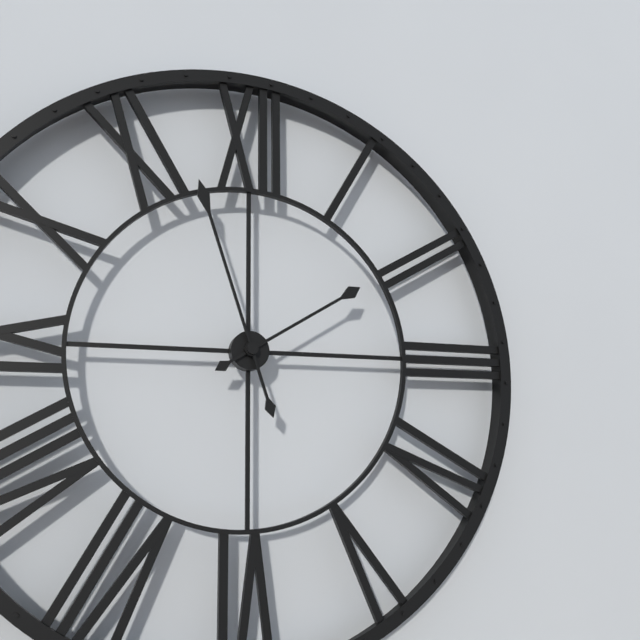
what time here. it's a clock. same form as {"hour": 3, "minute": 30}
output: {"hour": 1, "minute": 57}
